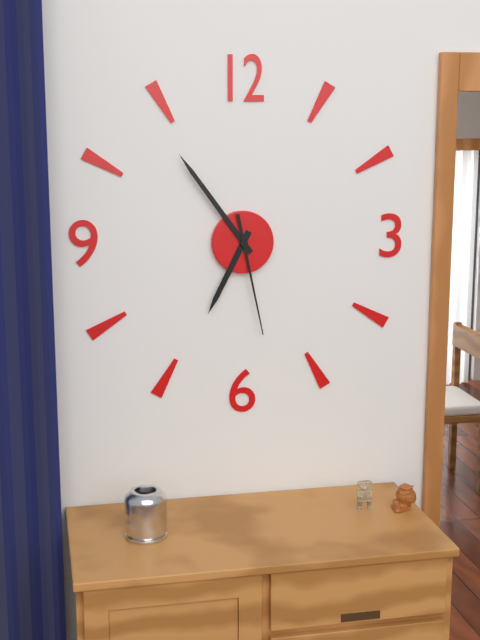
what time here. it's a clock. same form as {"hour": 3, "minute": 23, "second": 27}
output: {"hour": 6, "minute": 54, "second": 28}
